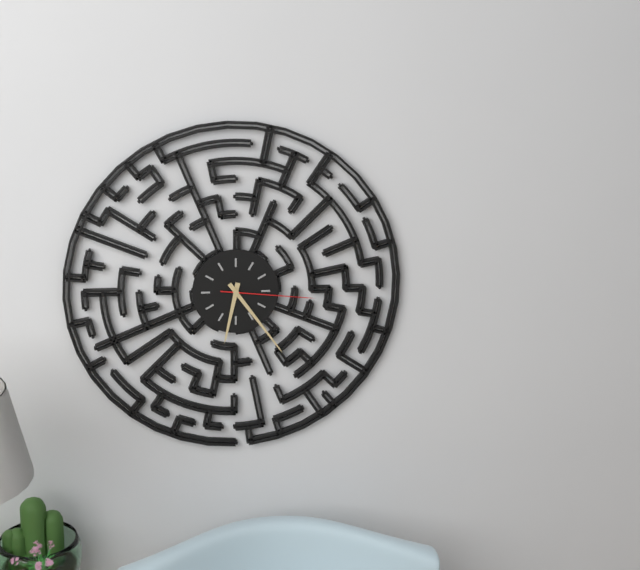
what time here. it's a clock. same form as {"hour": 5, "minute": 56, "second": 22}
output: {"hour": 6, "minute": 24, "second": 16}
